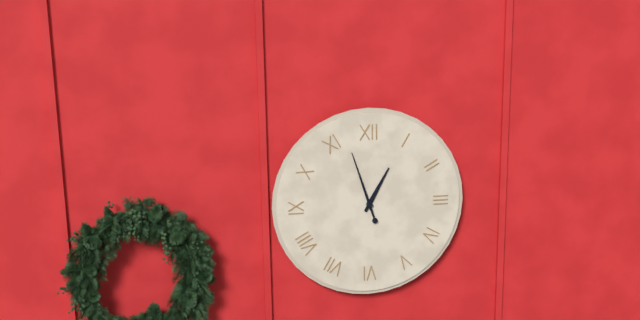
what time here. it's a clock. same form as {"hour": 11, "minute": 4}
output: {"hour": 12, "minute": 57}
